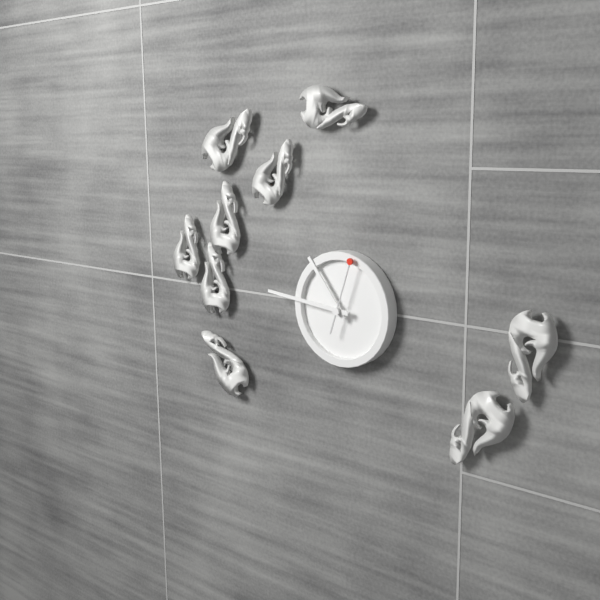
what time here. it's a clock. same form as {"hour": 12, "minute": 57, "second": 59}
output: {"hour": 10, "minute": 46, "second": 3}
